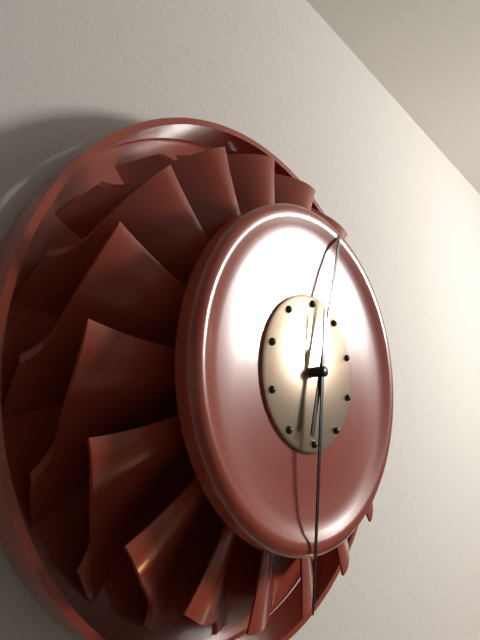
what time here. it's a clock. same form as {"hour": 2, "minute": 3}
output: {"hour": 12, "minute": 31}
